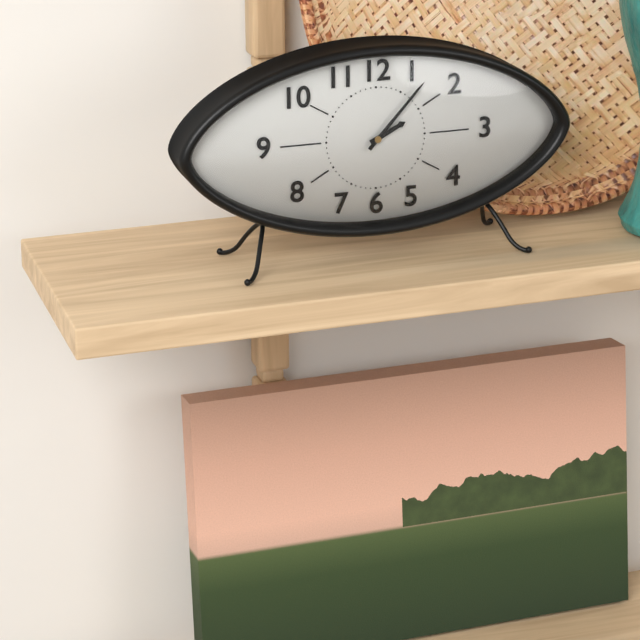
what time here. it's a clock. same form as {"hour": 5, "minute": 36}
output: {"hour": 2, "minute": 7}
